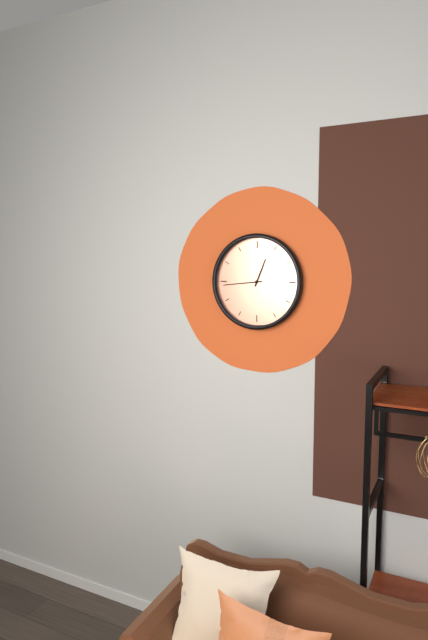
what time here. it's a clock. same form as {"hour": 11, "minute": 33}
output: {"hour": 12, "minute": 44}
